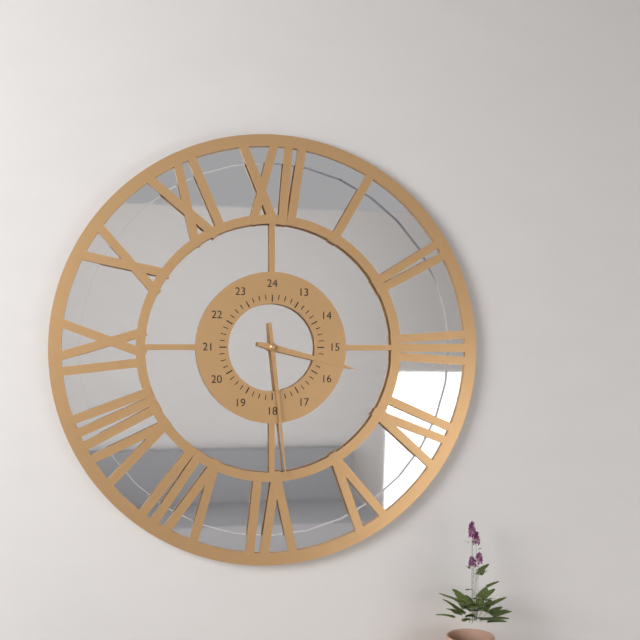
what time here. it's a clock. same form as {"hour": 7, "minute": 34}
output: {"hour": 3, "minute": 29}
